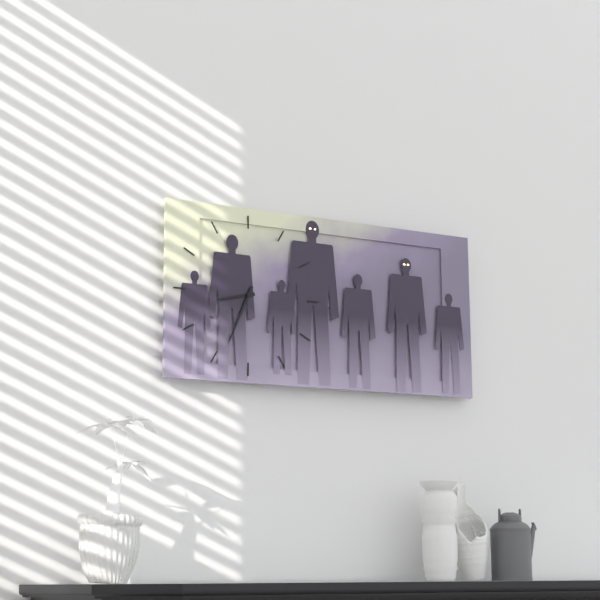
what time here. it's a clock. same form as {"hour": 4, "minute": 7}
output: {"hour": 8, "minute": 34}
